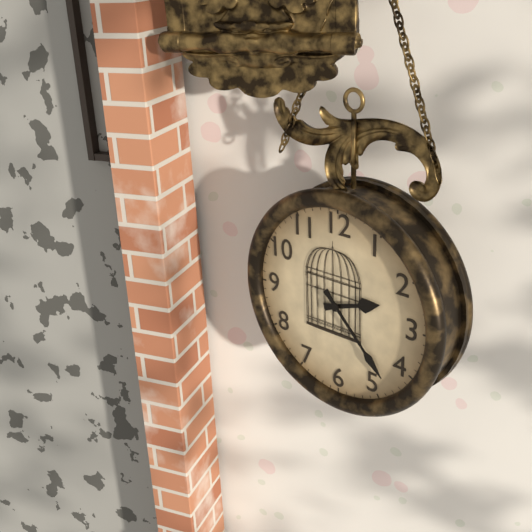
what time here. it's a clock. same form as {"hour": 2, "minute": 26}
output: {"hour": 2, "minute": 23}
